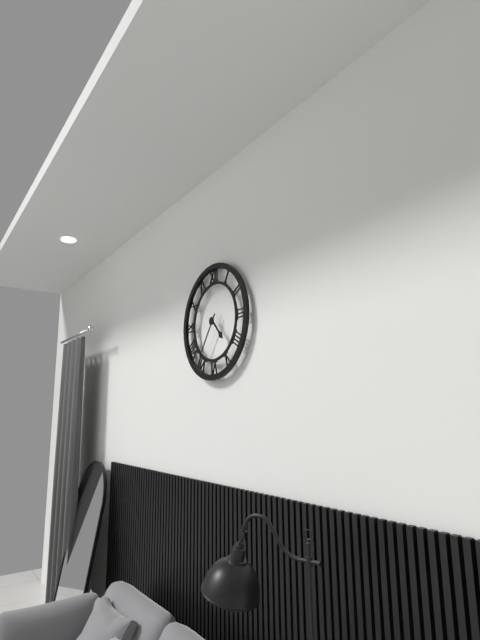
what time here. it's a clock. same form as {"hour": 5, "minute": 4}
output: {"hour": 4, "minute": 36}
